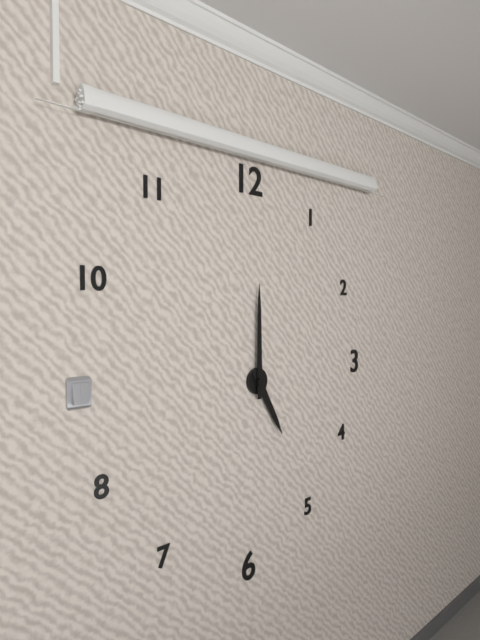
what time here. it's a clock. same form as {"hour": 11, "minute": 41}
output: {"hour": 5, "minute": 0}
